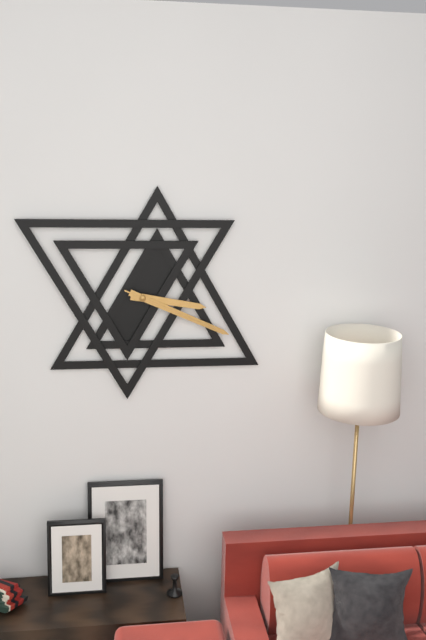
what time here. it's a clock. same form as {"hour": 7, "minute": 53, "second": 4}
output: {"hour": 3, "minute": 19, "second": 19}
